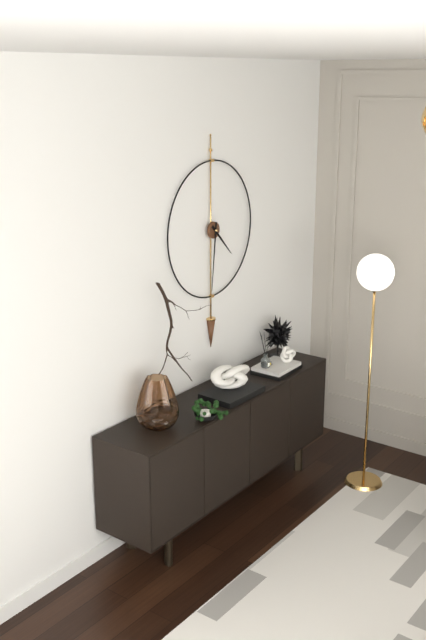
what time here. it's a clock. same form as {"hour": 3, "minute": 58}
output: {"hour": 4, "minute": 31}
